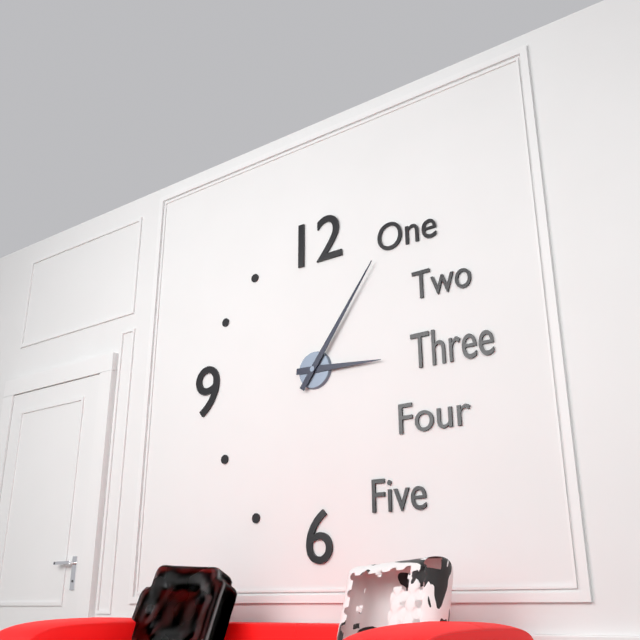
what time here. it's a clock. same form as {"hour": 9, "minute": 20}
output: {"hour": 3, "minute": 6}
